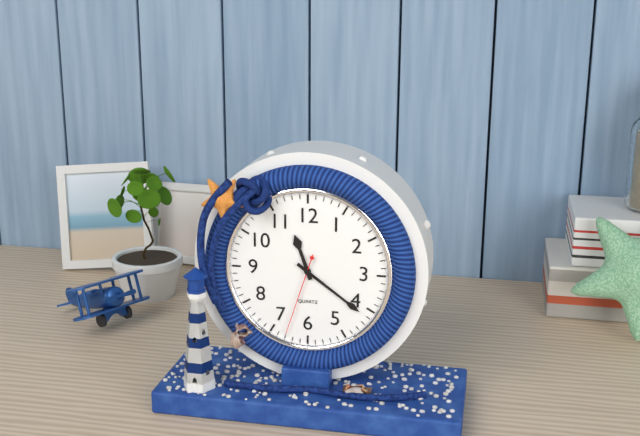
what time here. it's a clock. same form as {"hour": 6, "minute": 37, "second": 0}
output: {"hour": 11, "minute": 21, "second": 33}
